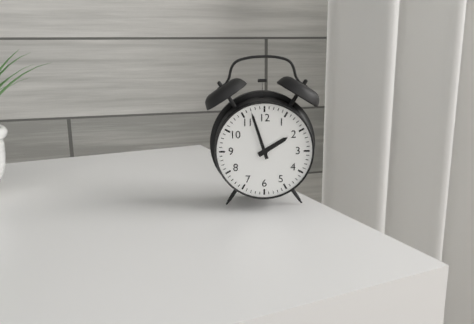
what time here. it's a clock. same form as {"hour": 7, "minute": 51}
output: {"hour": 1, "minute": 57}
